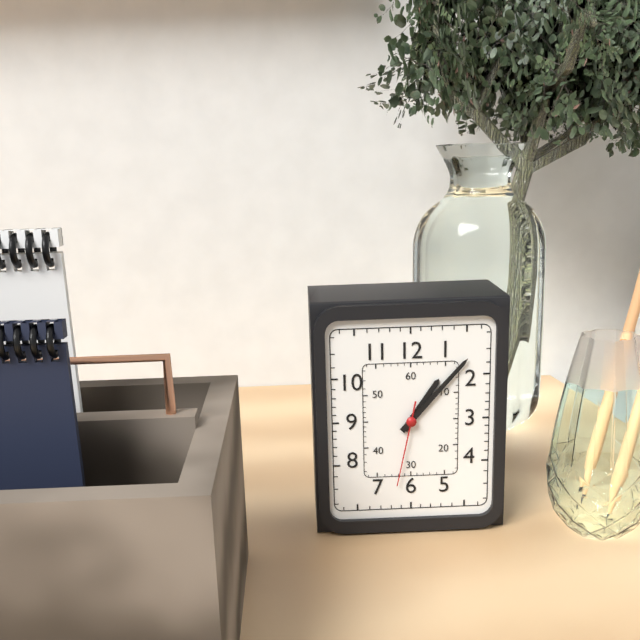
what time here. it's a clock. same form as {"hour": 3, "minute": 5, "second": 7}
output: {"hour": 1, "minute": 7, "second": 32}
